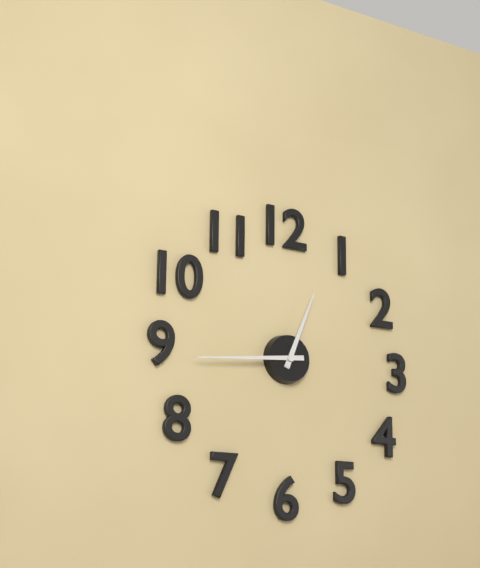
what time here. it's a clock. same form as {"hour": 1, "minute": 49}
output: {"hour": 12, "minute": 44}
